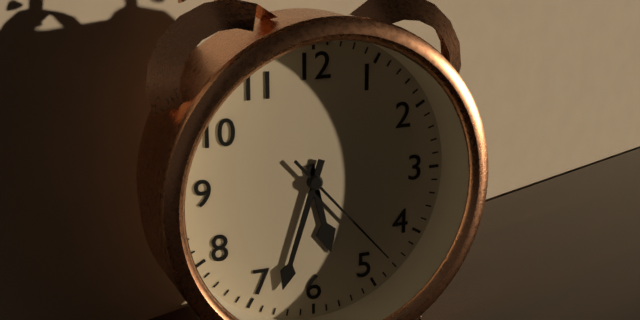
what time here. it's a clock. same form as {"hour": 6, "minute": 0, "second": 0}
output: {"hour": 5, "minute": 33, "second": 23}
